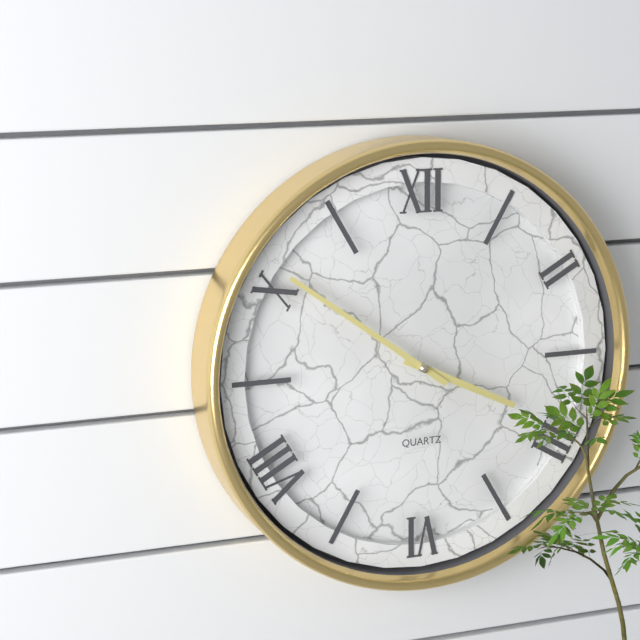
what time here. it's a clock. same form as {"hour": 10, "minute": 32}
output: {"hour": 3, "minute": 51}
